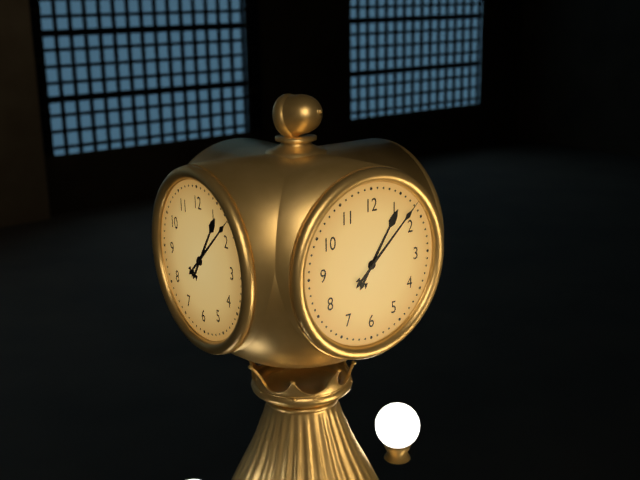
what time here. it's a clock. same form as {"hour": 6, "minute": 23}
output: {"hour": 1, "minute": 8}
